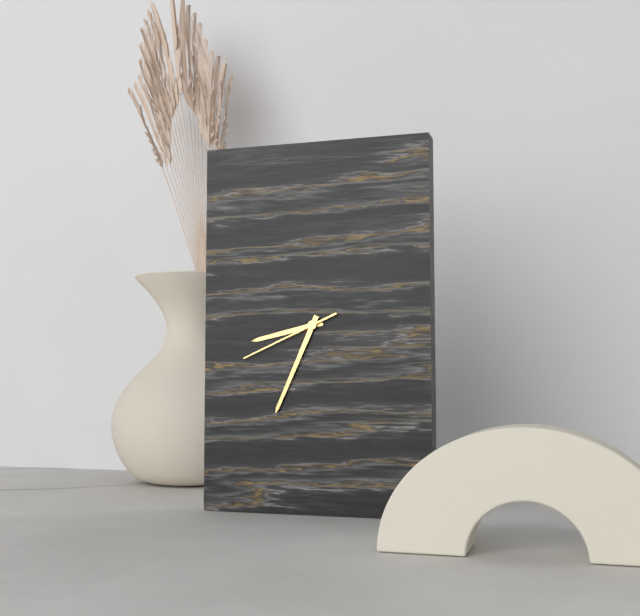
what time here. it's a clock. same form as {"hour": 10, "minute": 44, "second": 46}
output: {"hour": 8, "minute": 34, "second": 41}
